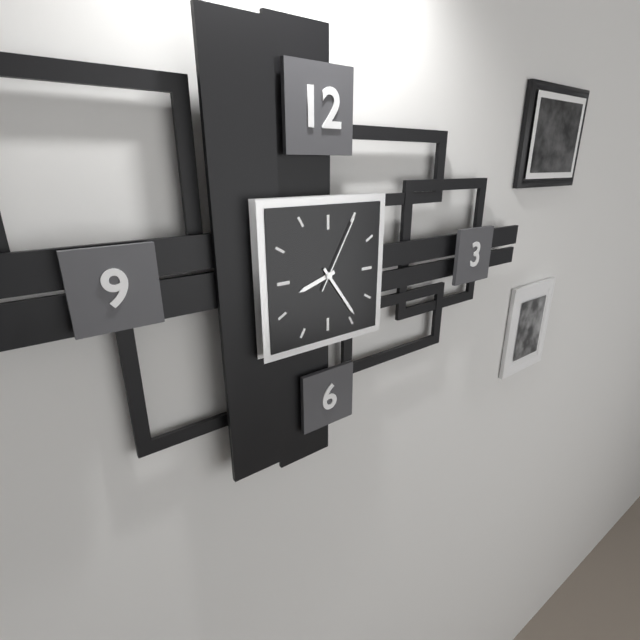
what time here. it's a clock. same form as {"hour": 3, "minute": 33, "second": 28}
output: {"hour": 8, "minute": 24, "second": 5}
